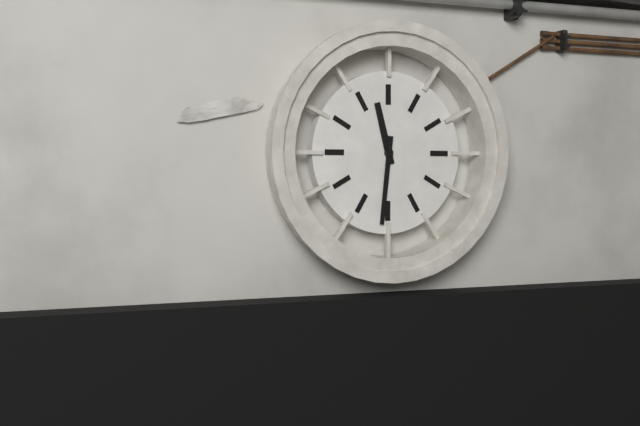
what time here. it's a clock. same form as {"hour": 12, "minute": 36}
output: {"hour": 11, "minute": 31}
